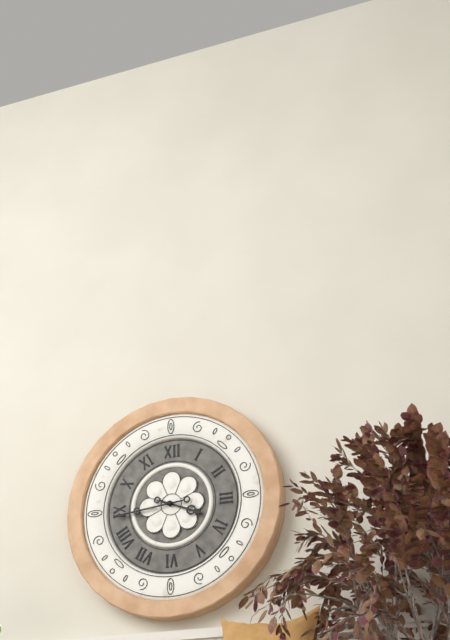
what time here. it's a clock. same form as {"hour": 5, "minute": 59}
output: {"hour": 3, "minute": 44}
